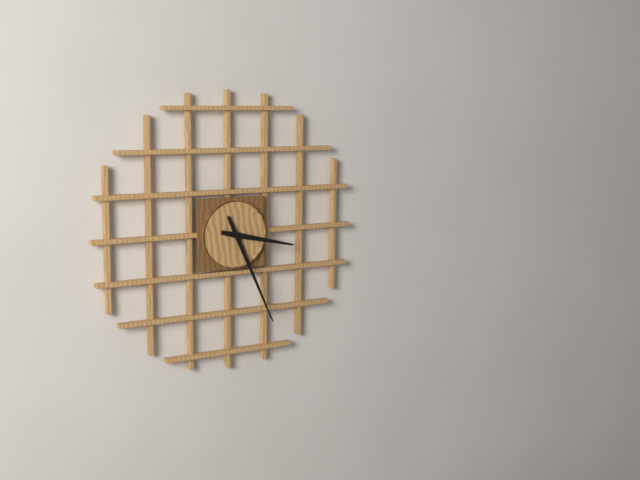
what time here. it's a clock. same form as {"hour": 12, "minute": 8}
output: {"hour": 3, "minute": 26}
